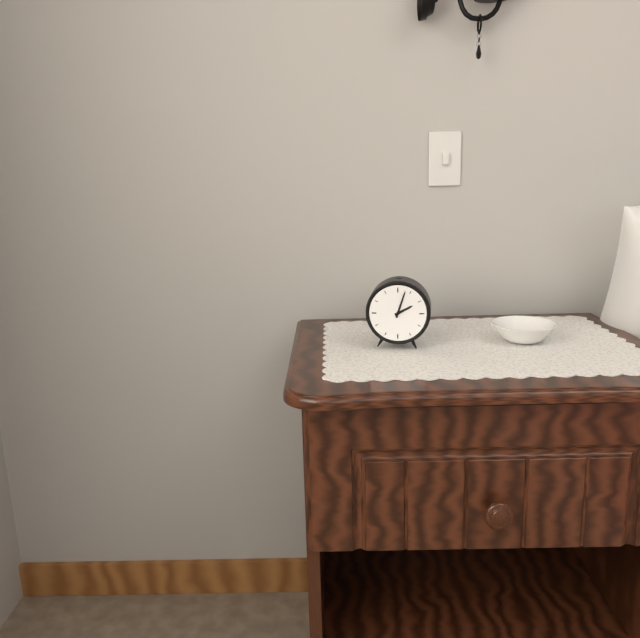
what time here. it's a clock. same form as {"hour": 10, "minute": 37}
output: {"hour": 2, "minute": 3}
